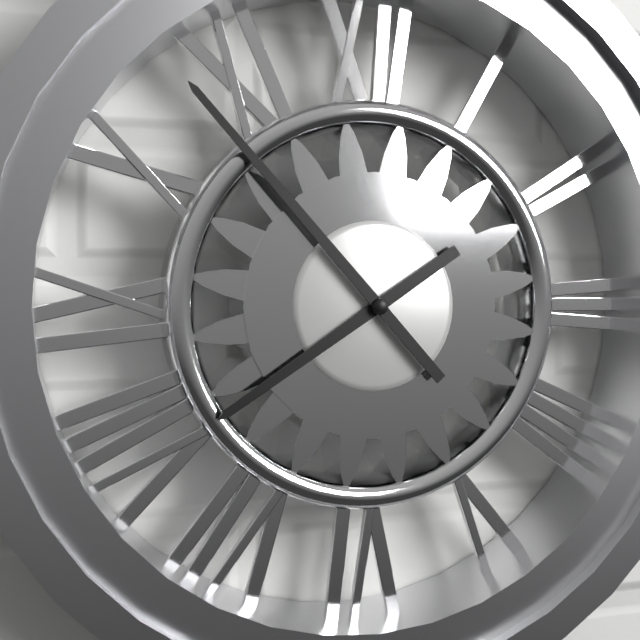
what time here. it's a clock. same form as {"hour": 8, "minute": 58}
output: {"hour": 7, "minute": 53}
